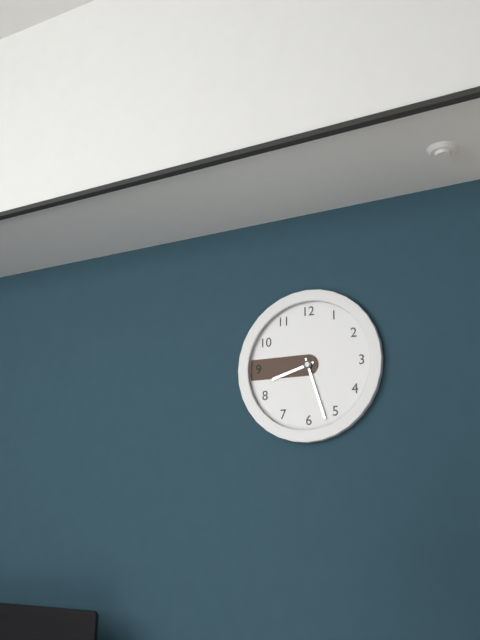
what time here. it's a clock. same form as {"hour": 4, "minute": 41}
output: {"hour": 8, "minute": 27}
